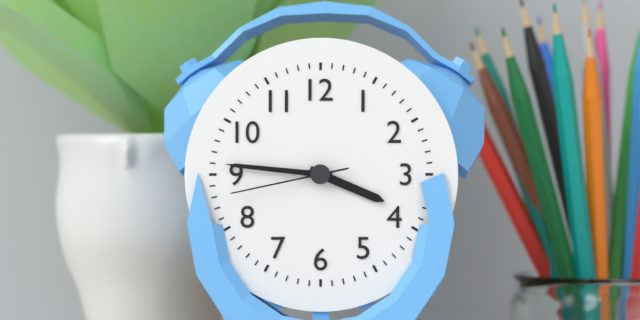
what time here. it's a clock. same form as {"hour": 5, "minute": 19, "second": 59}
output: {"hour": 3, "minute": 46, "second": 43}
